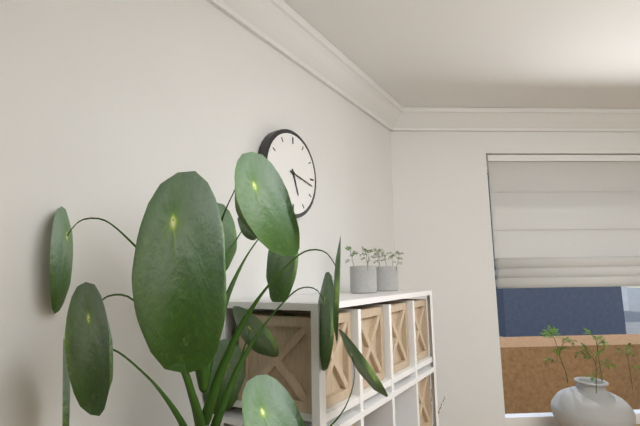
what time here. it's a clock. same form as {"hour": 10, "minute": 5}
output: {"hour": 5, "minute": 17}
